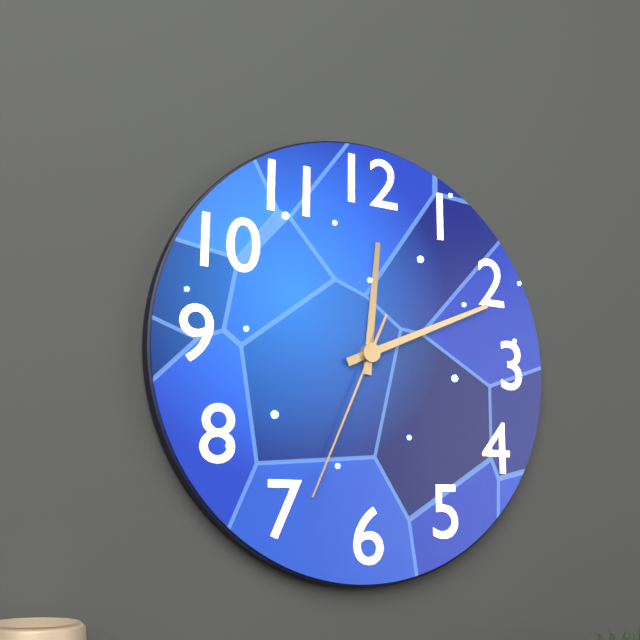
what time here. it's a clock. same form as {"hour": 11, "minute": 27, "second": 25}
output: {"hour": 12, "minute": 11, "second": 34}
